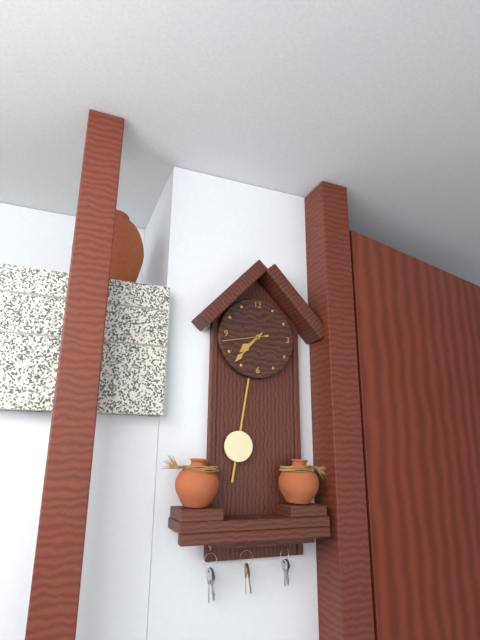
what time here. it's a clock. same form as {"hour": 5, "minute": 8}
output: {"hour": 7, "minute": 37}
